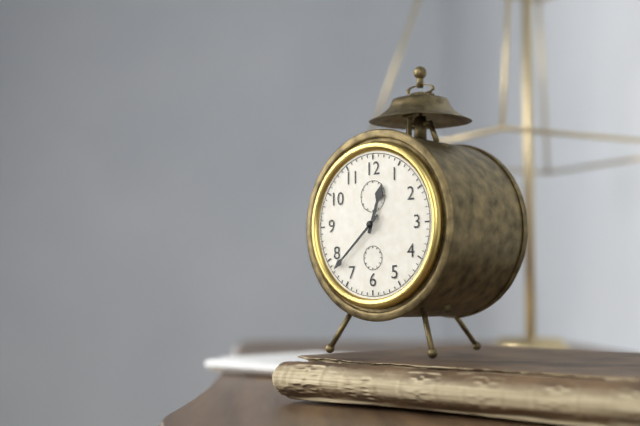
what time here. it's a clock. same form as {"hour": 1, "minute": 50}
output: {"hour": 12, "minute": 38}
